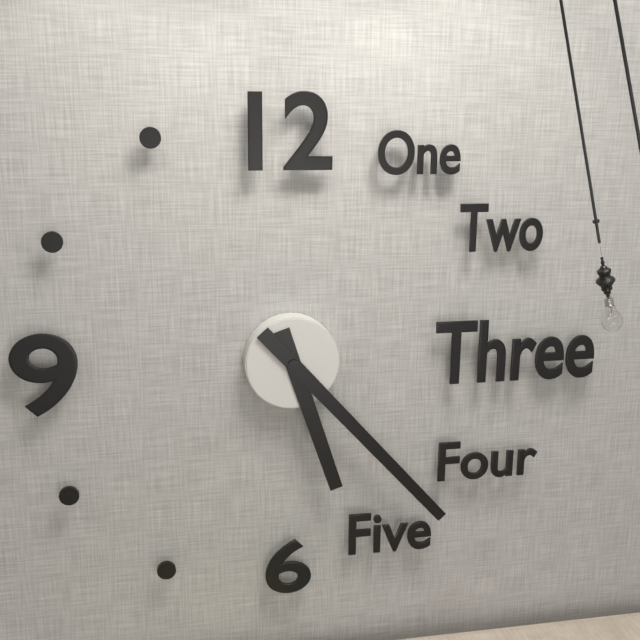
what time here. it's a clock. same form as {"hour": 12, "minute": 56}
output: {"hour": 5, "minute": 23}
